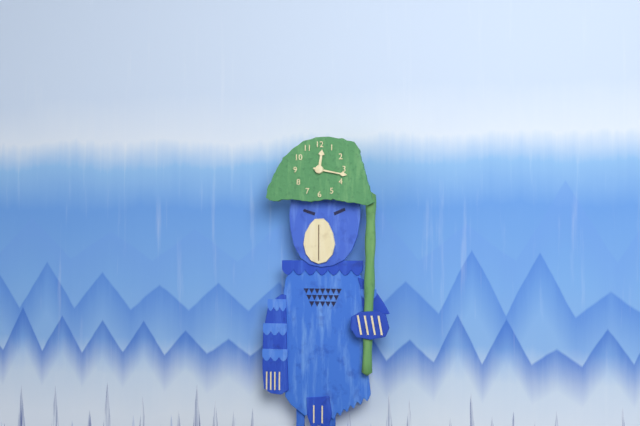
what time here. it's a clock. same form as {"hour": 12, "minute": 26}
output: {"hour": 12, "minute": 17}
